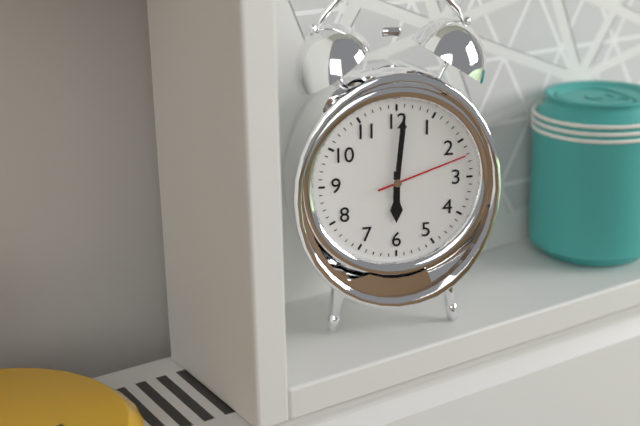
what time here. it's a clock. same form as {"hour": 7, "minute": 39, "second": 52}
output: {"hour": 6, "minute": 1, "second": 12}
